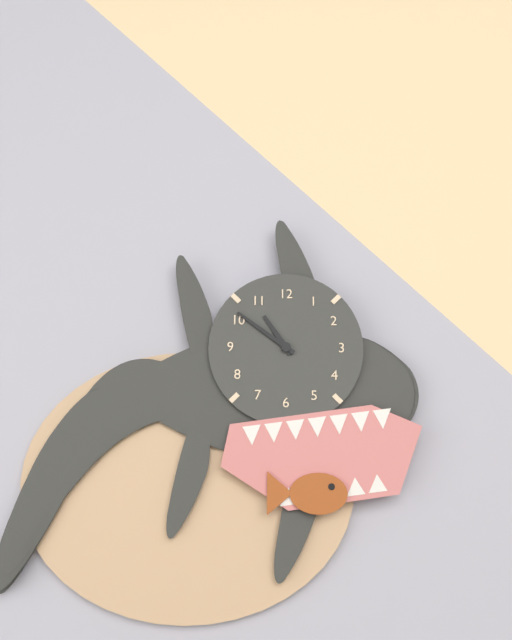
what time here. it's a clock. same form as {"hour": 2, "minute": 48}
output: {"hour": 10, "minute": 51}
